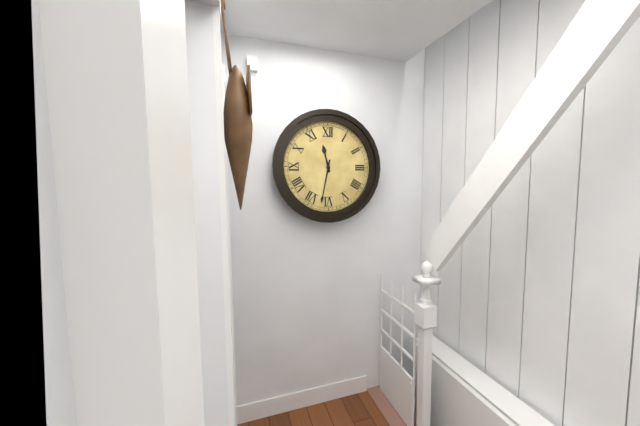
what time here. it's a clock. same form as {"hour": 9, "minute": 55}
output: {"hour": 11, "minute": 32}
